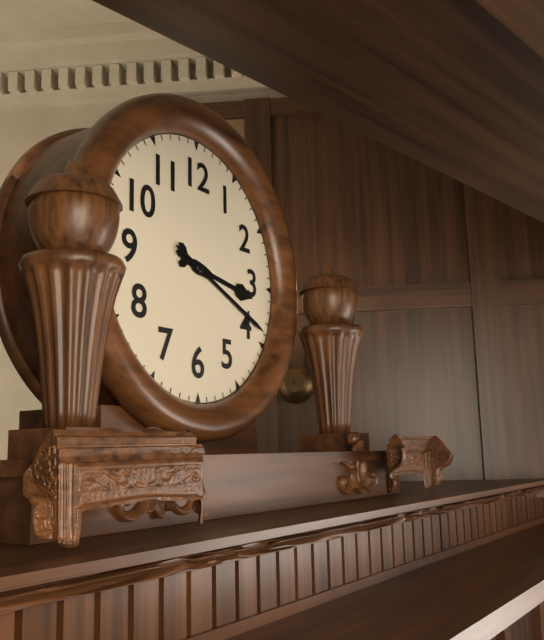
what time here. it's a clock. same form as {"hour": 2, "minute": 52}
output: {"hour": 3, "minute": 19}
